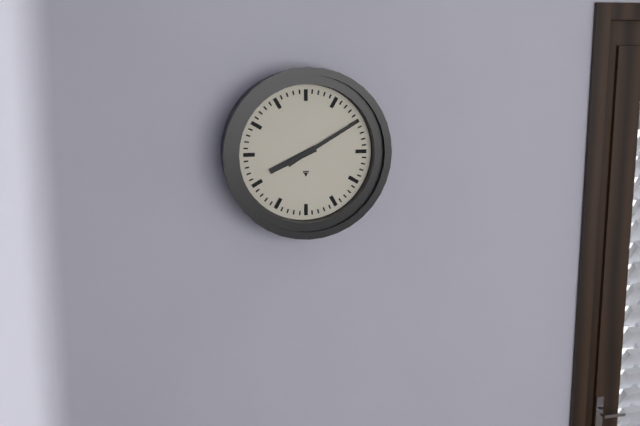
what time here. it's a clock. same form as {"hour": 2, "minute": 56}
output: {"hour": 8, "minute": 10}
